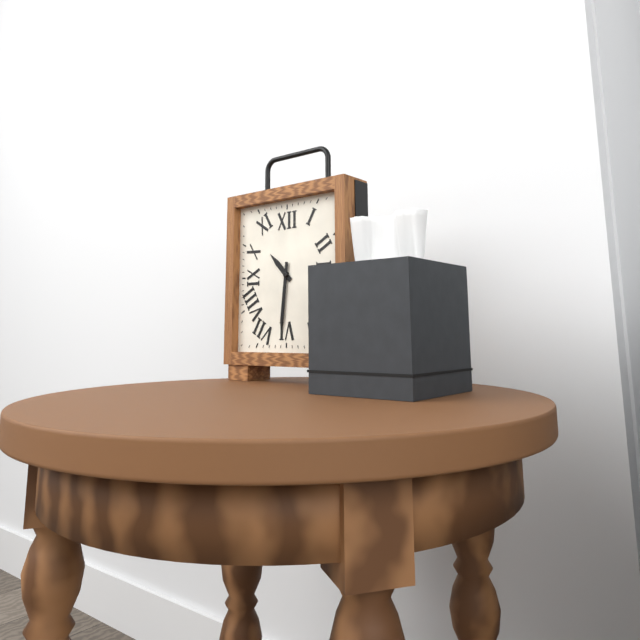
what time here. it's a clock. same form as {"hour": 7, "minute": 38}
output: {"hour": 10, "minute": 31}
